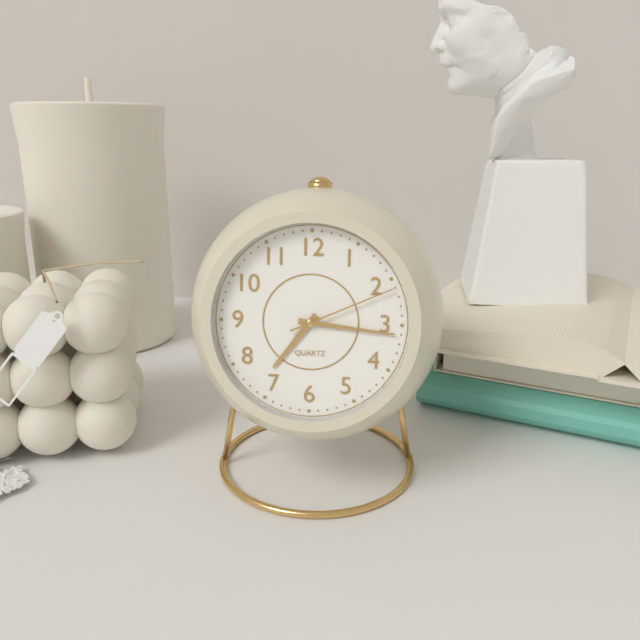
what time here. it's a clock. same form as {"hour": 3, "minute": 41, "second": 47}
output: {"hour": 7, "minute": 16, "second": 11}
